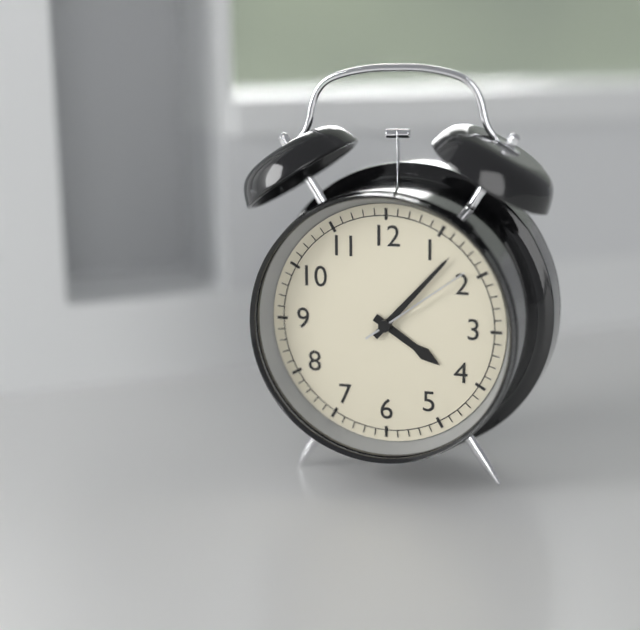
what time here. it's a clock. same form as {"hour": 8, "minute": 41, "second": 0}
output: {"hour": 4, "minute": 7, "second": 9}
